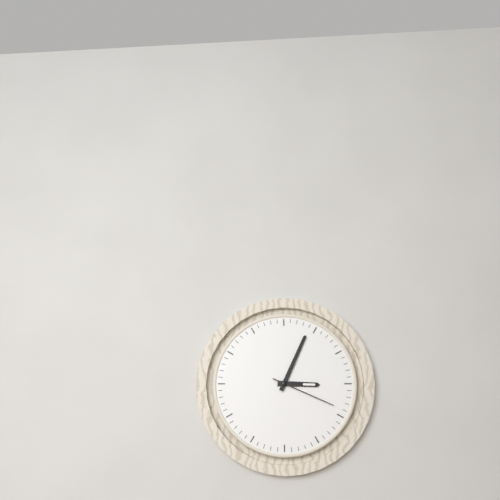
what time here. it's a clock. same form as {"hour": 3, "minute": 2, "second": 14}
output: {"hour": 3, "minute": 4, "second": 19}
